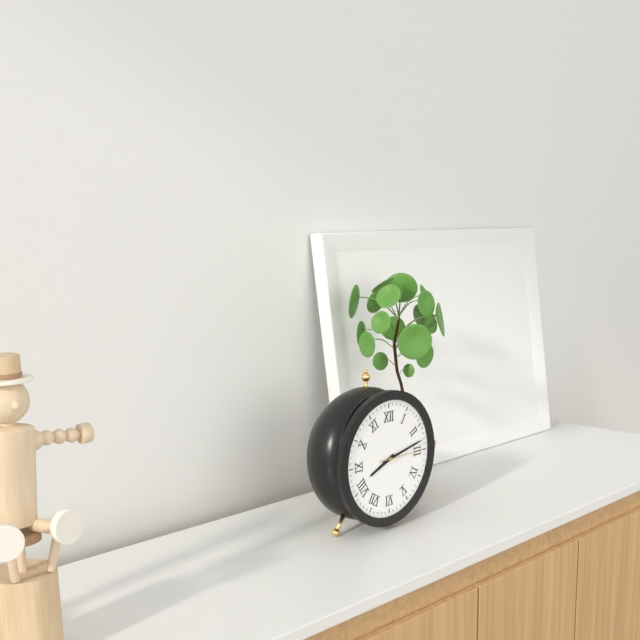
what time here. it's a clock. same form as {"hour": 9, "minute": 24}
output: {"hour": 8, "minute": 13}
